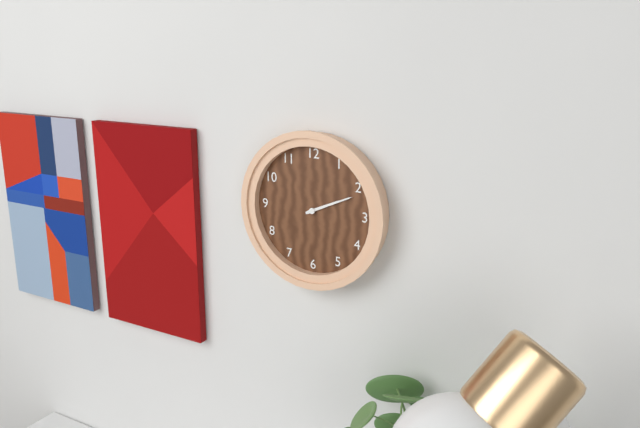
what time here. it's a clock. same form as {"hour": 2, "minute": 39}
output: {"hour": 2, "minute": 11}
